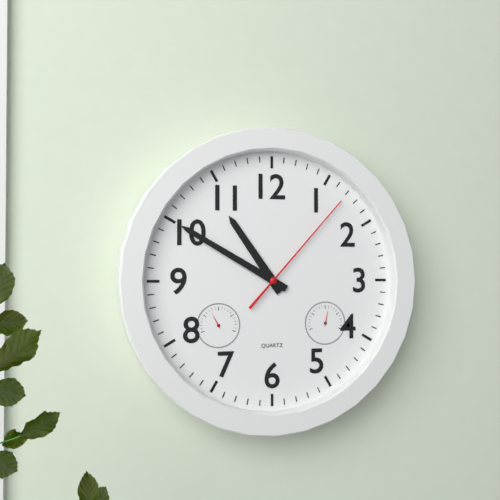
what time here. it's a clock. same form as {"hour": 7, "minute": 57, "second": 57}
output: {"hour": 10, "minute": 50, "second": 7}
